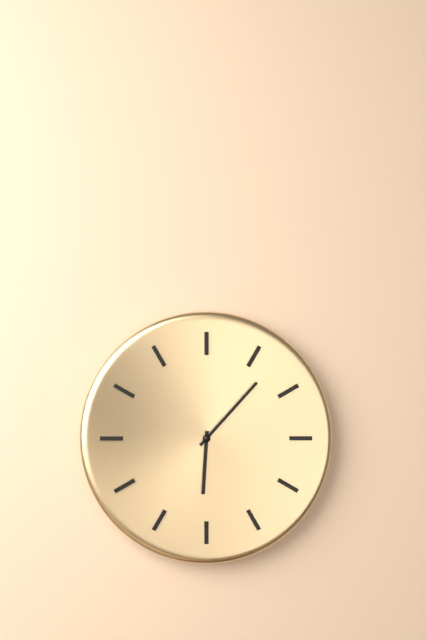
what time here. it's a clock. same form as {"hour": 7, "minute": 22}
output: {"hour": 6, "minute": 7}
